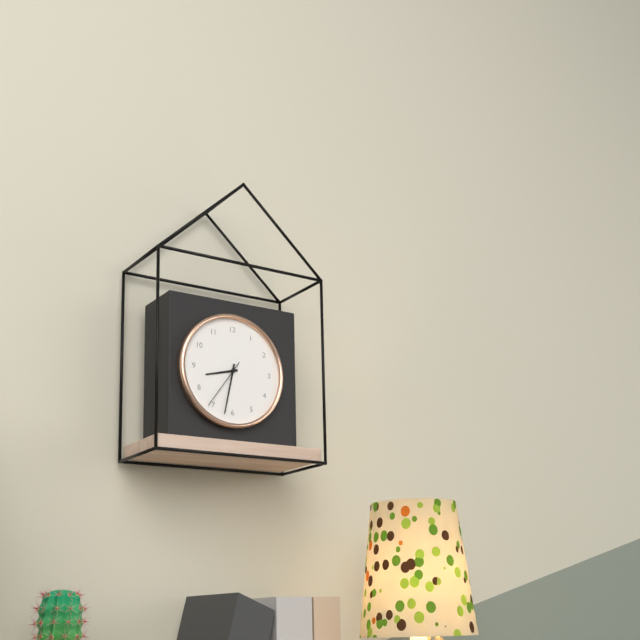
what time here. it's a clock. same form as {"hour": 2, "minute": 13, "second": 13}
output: {"hour": 8, "minute": 32, "second": 36}
